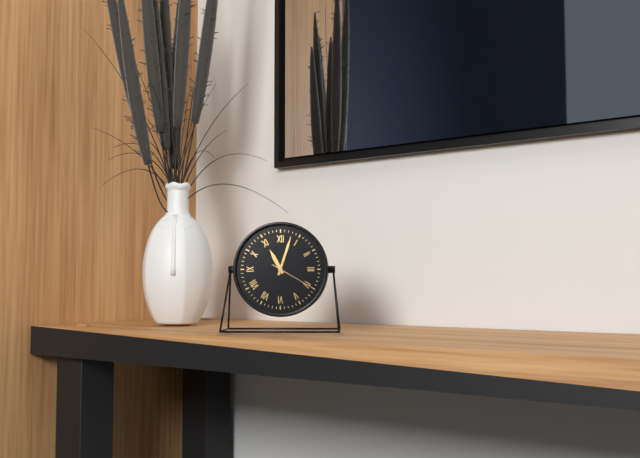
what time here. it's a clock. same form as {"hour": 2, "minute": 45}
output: {"hour": 11, "minute": 3}
